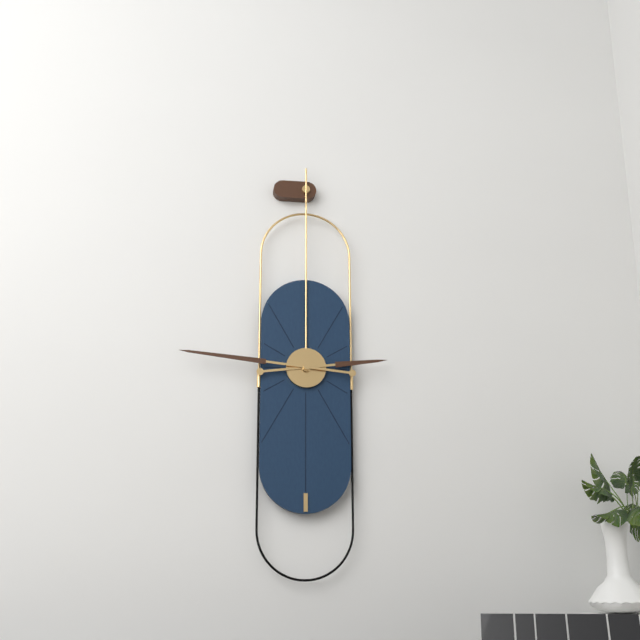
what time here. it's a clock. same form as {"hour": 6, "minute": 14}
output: {"hour": 2, "minute": 46}
